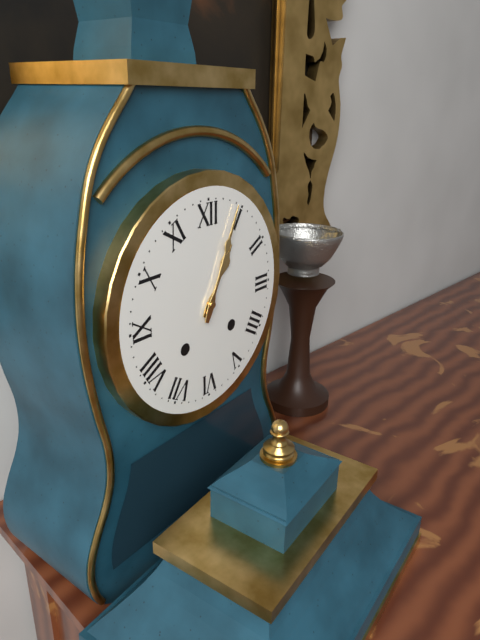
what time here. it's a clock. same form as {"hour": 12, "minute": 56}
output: {"hour": 1, "minute": 4}
